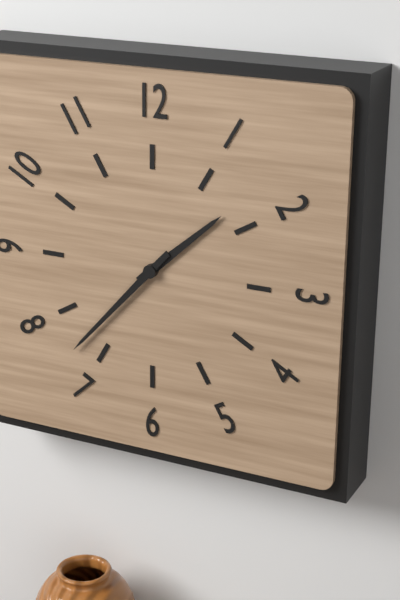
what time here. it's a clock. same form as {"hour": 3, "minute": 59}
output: {"hour": 1, "minute": 37}
